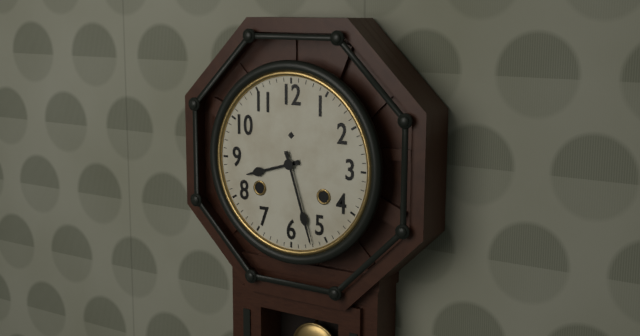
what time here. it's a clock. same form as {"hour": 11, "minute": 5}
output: {"hour": 8, "minute": 27}
